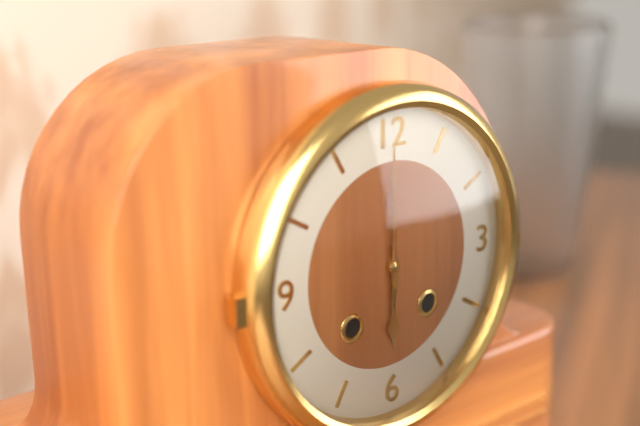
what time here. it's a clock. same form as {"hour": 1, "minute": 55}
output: {"hour": 6, "minute": 0}
